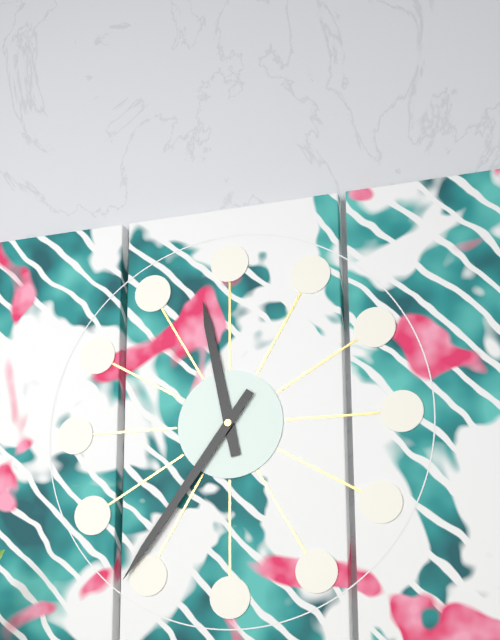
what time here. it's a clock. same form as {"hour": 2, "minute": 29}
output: {"hour": 11, "minute": 36}
